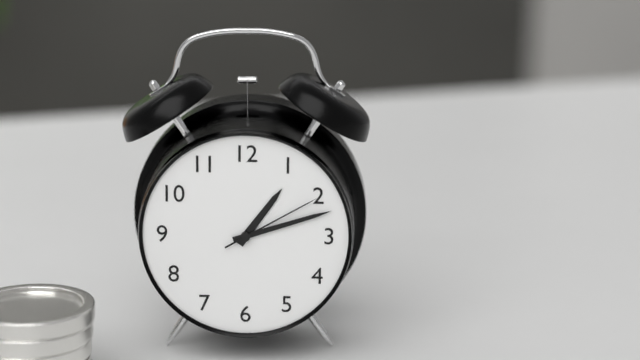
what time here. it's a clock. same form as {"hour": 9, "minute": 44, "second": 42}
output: {"hour": 1, "minute": 12, "second": 10}
